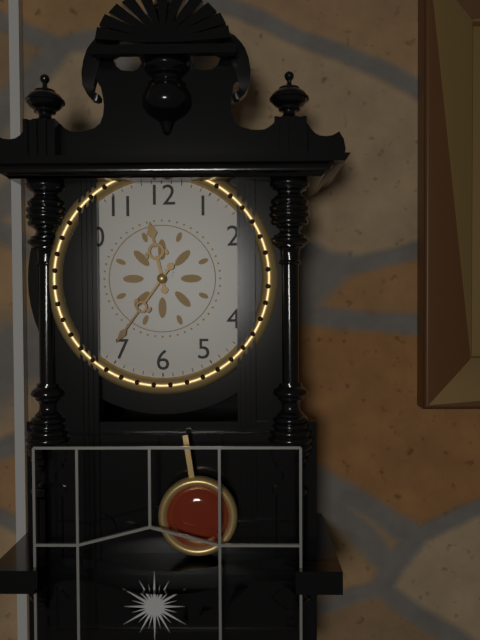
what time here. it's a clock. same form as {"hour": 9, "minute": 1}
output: {"hour": 11, "minute": 36}
